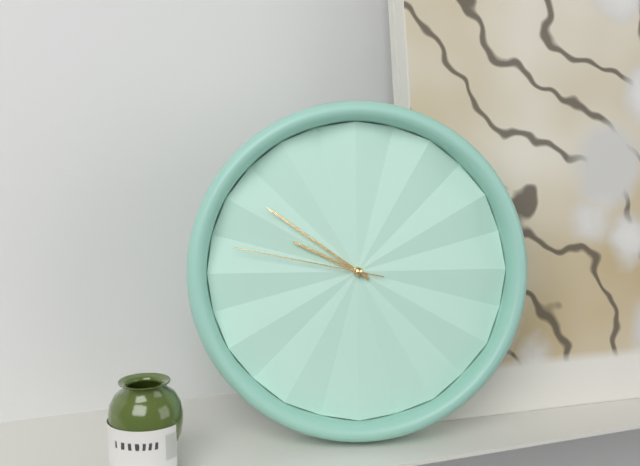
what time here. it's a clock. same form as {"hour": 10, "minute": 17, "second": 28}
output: {"hour": 9, "minute": 51, "second": 47}
